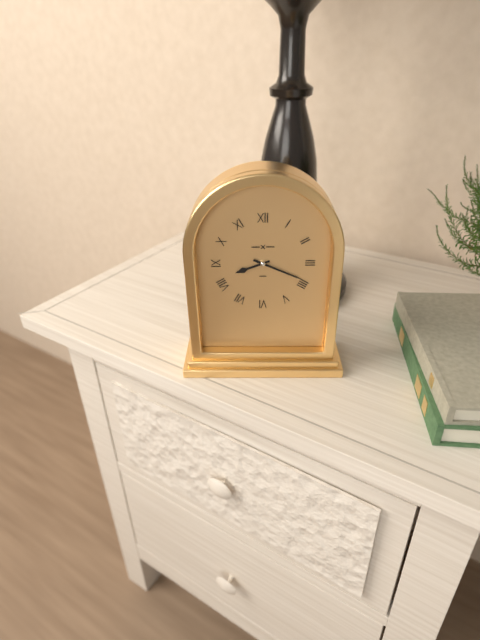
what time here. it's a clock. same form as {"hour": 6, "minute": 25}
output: {"hour": 8, "minute": 19}
